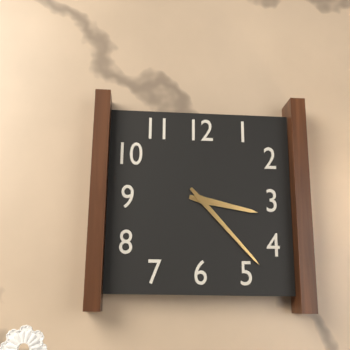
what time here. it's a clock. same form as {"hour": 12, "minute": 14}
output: {"hour": 3, "minute": 23}
